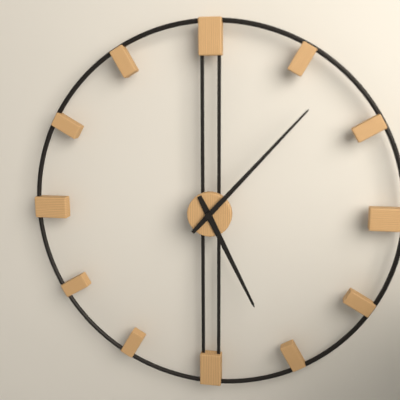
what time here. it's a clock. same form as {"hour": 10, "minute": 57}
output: {"hour": 5, "minute": 7}
